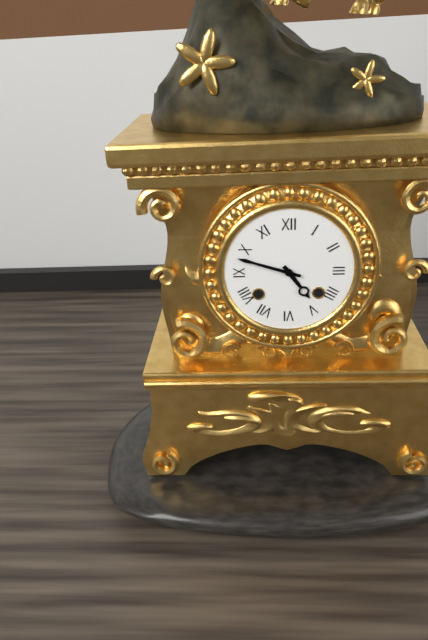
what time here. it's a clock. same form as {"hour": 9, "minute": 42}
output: {"hour": 4, "minute": 48}
